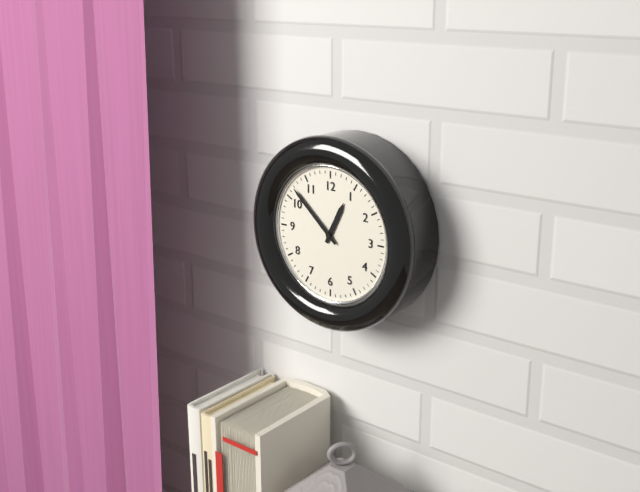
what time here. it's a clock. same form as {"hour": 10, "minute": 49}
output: {"hour": 12, "minute": 52}
